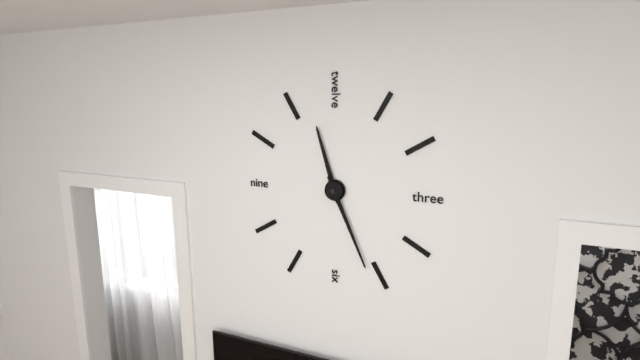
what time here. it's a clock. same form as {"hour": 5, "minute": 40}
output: {"hour": 11, "minute": 26}
